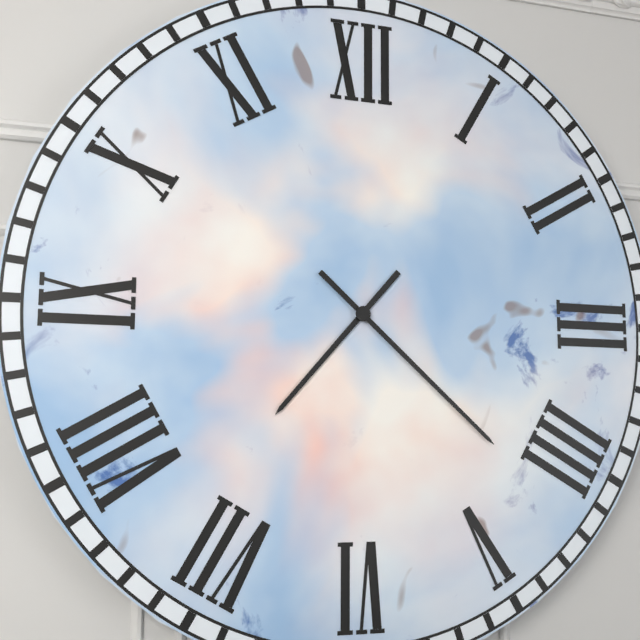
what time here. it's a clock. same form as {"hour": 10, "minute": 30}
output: {"hour": 7, "minute": 22}
